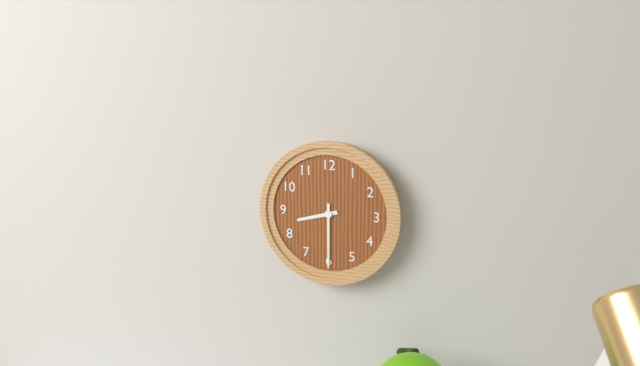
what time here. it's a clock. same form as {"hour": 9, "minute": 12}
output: {"hour": 8, "minute": 30}
